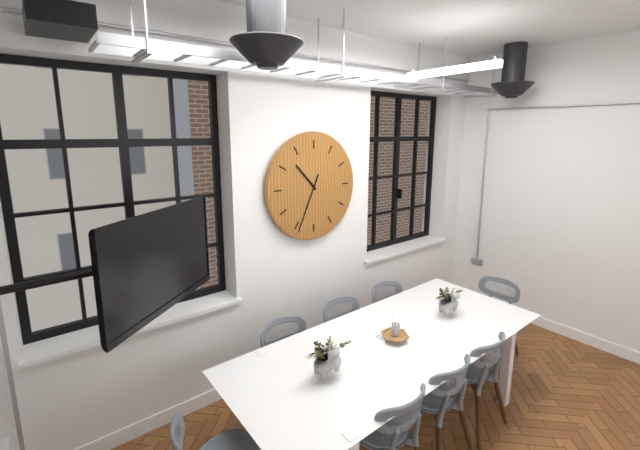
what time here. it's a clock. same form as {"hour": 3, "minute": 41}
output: {"hour": 10, "minute": 34}
